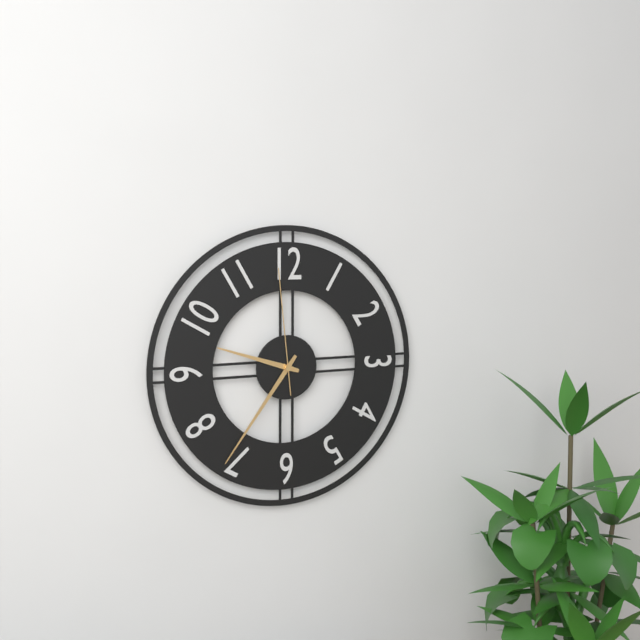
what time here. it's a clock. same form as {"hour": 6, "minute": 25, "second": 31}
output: {"hour": 9, "minute": 36, "second": 59}
